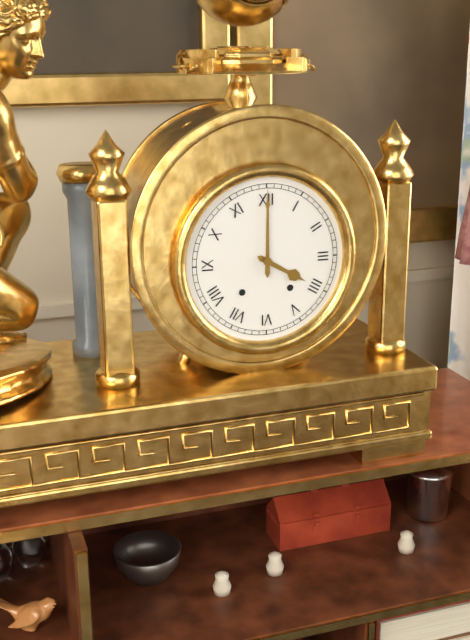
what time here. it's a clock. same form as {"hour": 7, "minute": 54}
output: {"hour": 4, "minute": 0}
